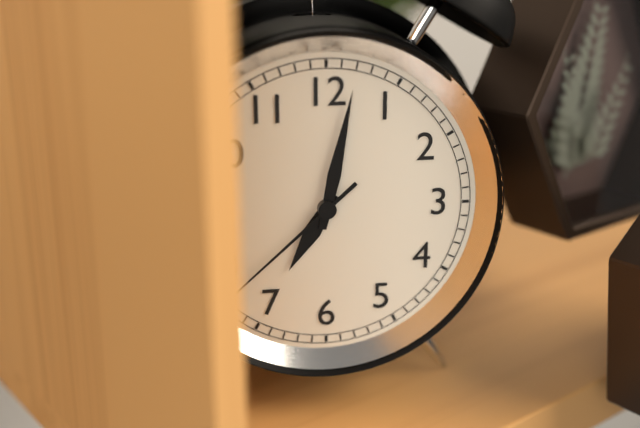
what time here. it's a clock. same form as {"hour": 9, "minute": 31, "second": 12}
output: {"hour": 7, "minute": 2, "second": 38}
